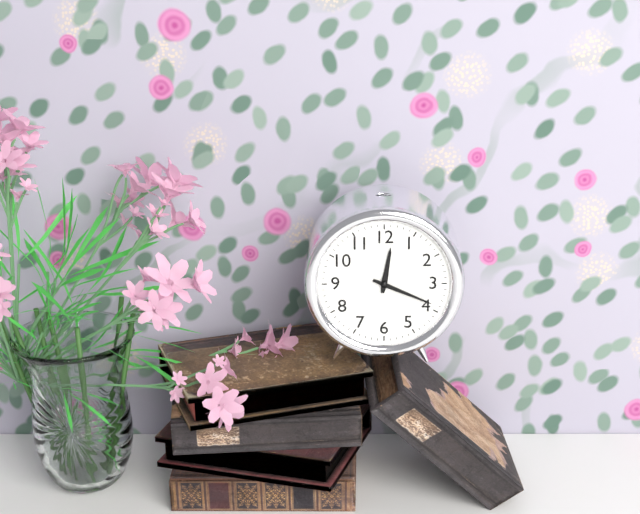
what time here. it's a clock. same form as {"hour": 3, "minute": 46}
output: {"hour": 12, "minute": 19}
